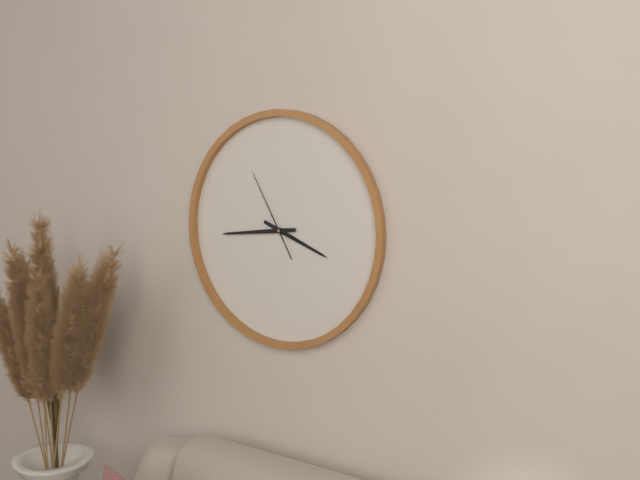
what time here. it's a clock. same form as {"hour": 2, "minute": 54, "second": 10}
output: {"hour": 3, "minute": 44, "second": 55}
